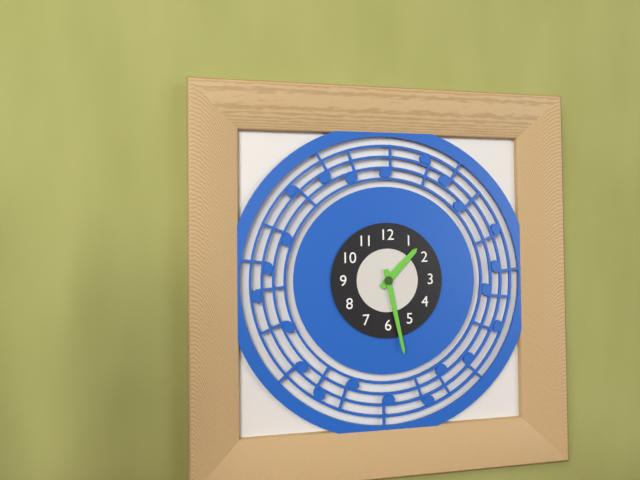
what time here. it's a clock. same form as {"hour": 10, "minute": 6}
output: {"hour": 1, "minute": 28}
